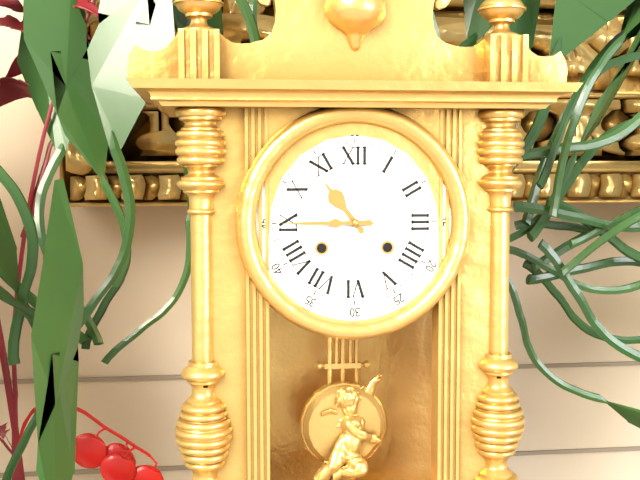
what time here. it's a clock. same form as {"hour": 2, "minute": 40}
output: {"hour": 10, "minute": 45}
